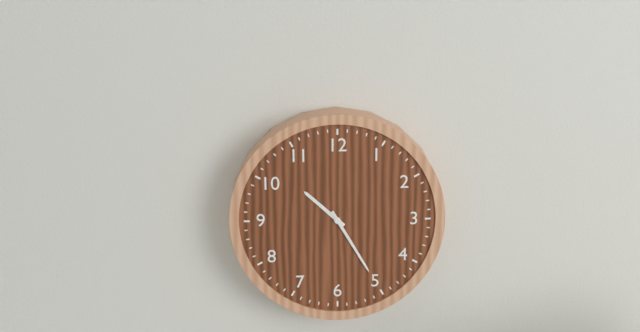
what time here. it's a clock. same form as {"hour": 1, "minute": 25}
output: {"hour": 10, "minute": 25}
